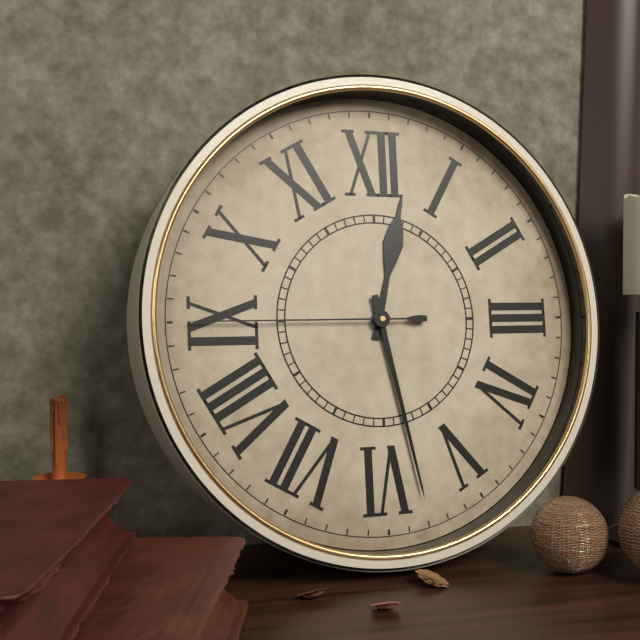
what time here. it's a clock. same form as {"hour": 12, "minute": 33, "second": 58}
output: {"hour": 12, "minute": 28, "second": 45}
